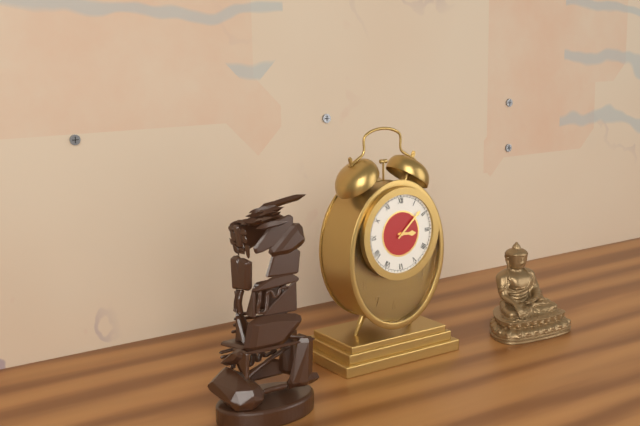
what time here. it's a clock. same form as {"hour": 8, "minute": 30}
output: {"hour": 3, "minute": 8}
